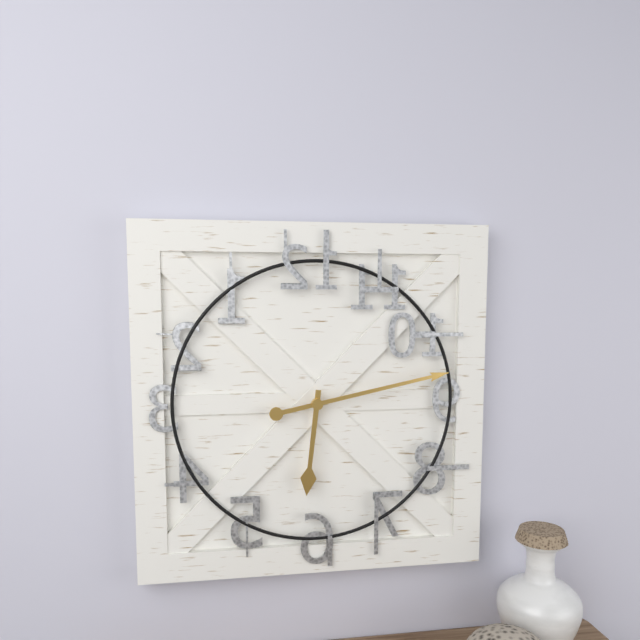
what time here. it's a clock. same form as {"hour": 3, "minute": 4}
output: {"hour": 6, "minute": 13}
